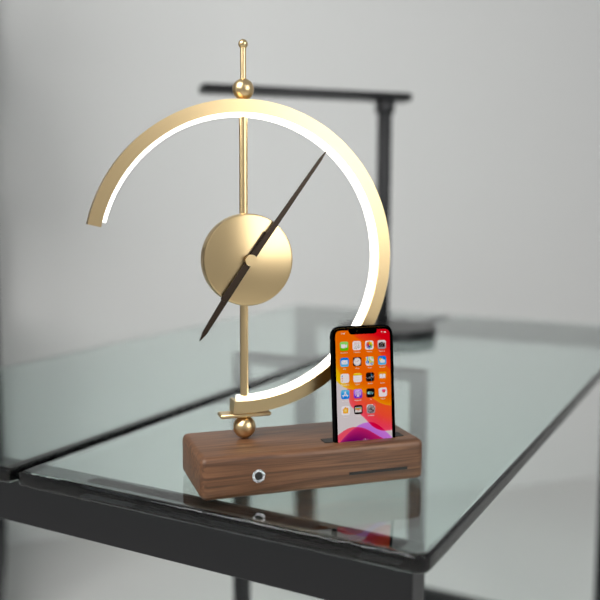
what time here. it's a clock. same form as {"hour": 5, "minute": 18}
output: {"hour": 7, "minute": 6}
